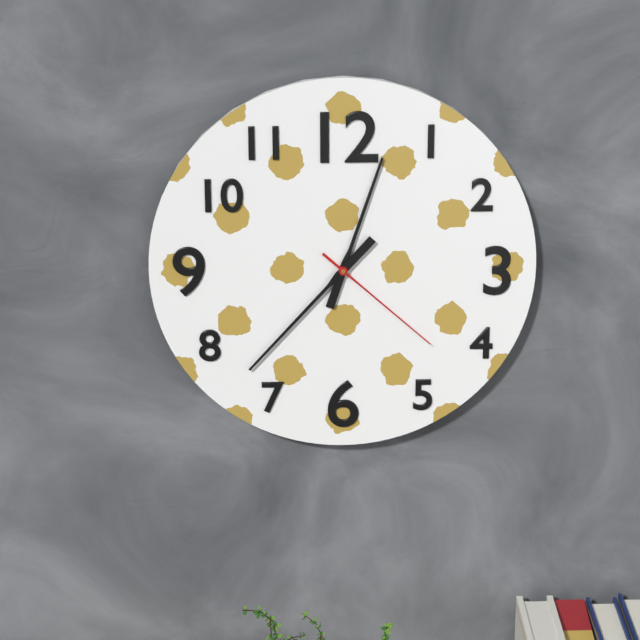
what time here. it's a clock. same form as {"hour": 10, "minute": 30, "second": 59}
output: {"hour": 12, "minute": 37, "second": 22}
